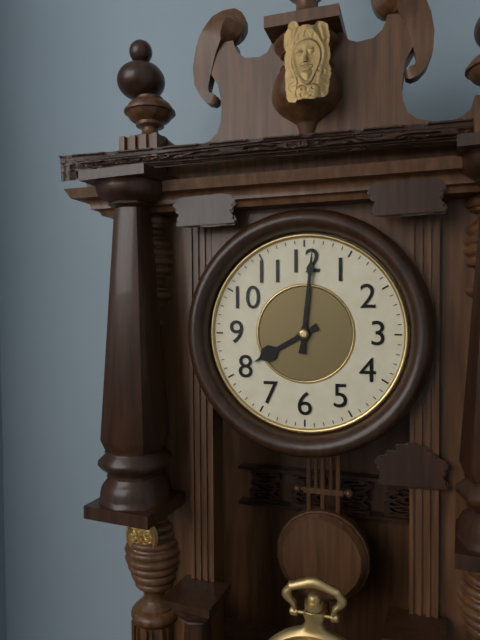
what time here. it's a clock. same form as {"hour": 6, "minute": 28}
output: {"hour": 8, "minute": 1}
